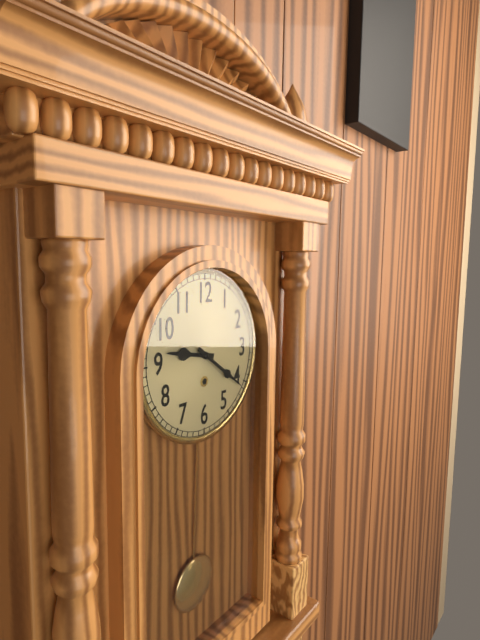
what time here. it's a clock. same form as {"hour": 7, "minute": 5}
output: {"hour": 9, "minute": 21}
